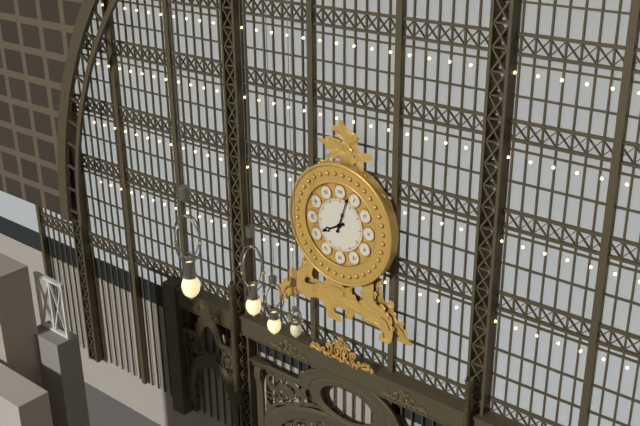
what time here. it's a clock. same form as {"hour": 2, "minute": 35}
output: {"hour": 8, "minute": 3}
